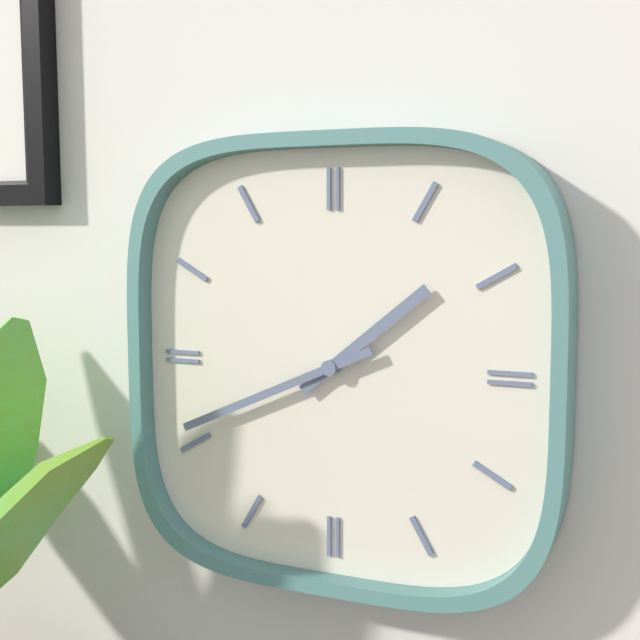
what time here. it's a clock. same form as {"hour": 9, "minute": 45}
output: {"hour": 1, "minute": 41}
